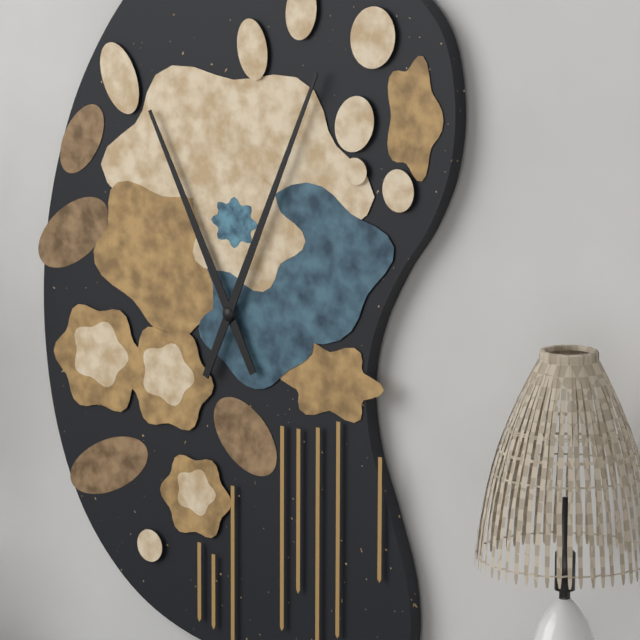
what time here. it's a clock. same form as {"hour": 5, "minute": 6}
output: {"hour": 11, "minute": 4}
